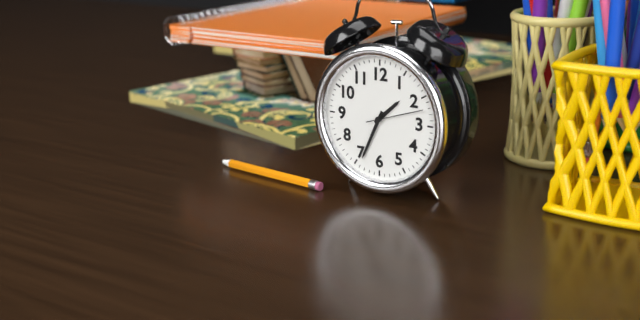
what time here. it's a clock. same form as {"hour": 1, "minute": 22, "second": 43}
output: {"hour": 1, "minute": 34, "second": 12}
